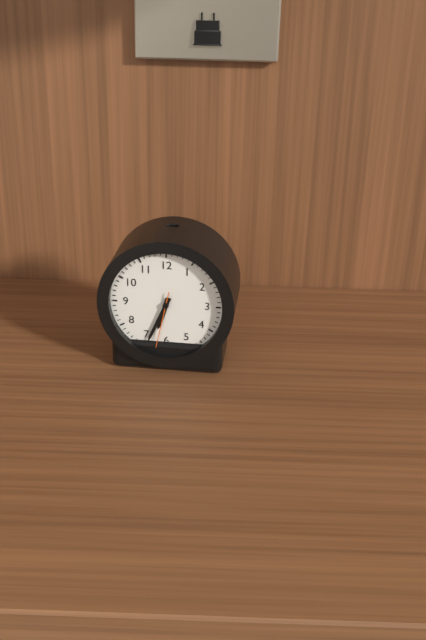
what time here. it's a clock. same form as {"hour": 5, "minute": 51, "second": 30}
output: {"hour": 6, "minute": 34, "second": 32}
